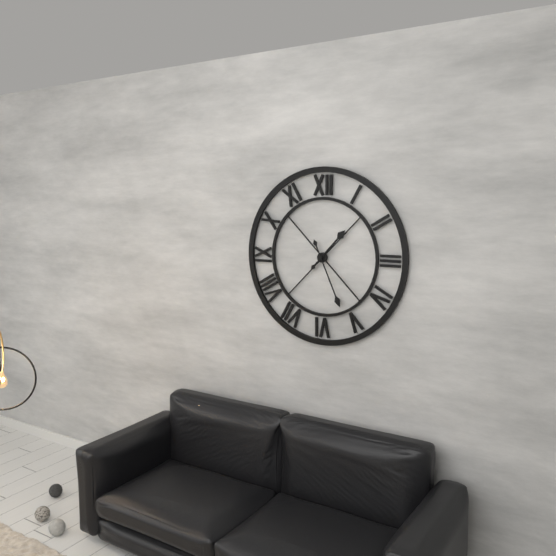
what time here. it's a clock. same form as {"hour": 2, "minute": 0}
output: {"hour": 1, "minute": 26}
